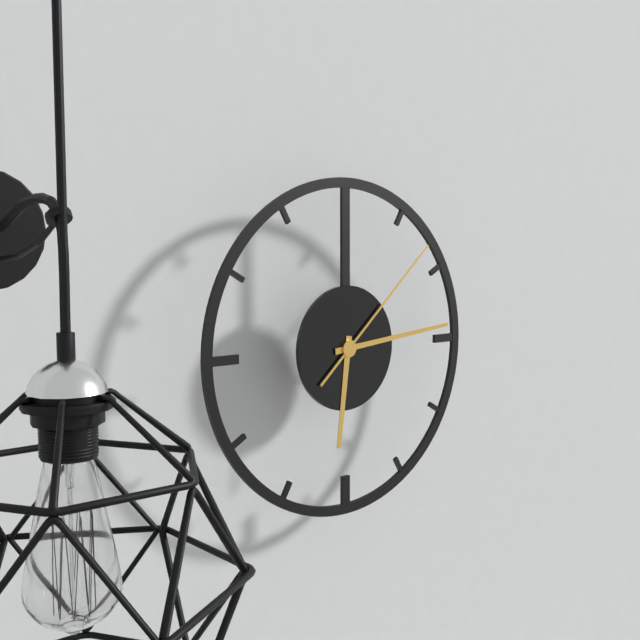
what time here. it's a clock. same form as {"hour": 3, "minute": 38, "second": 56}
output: {"hour": 6, "minute": 14, "second": 8}
